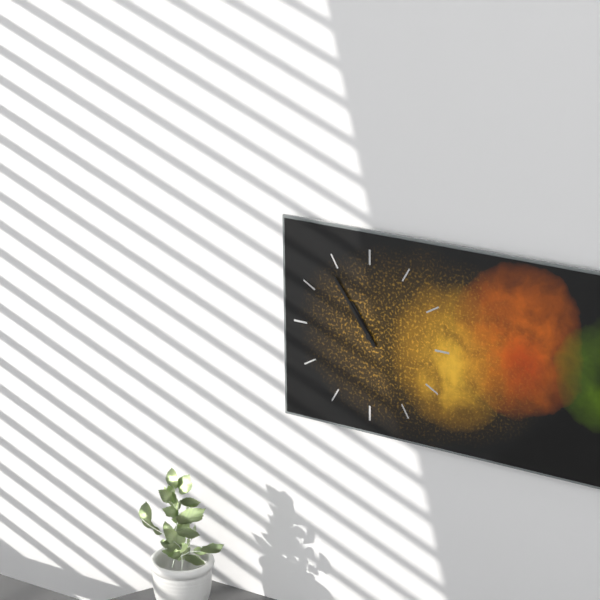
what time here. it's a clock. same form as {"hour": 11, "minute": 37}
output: {"hour": 10, "minute": 54}
